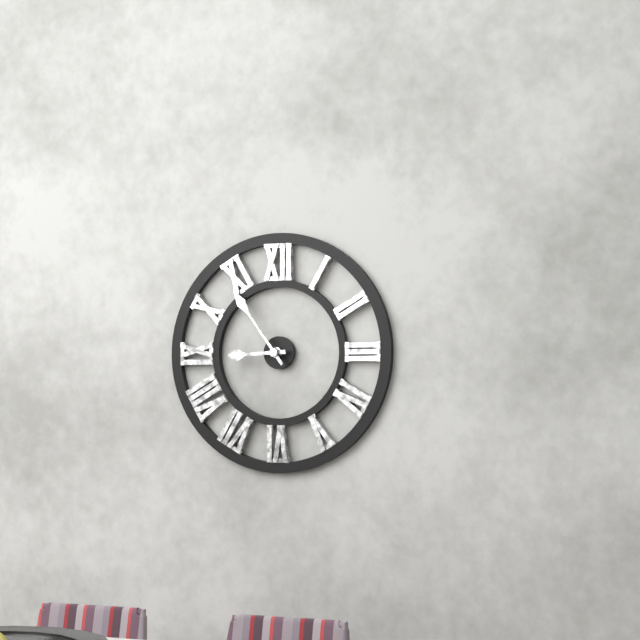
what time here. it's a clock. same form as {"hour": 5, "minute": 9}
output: {"hour": 8, "minute": 54}
